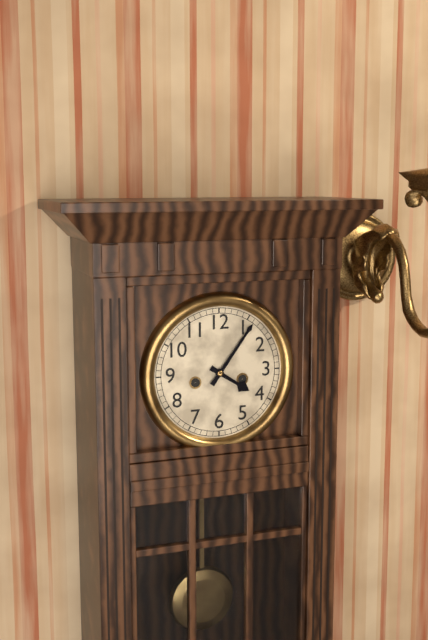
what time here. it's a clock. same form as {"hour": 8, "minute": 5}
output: {"hour": 4, "minute": 6}
